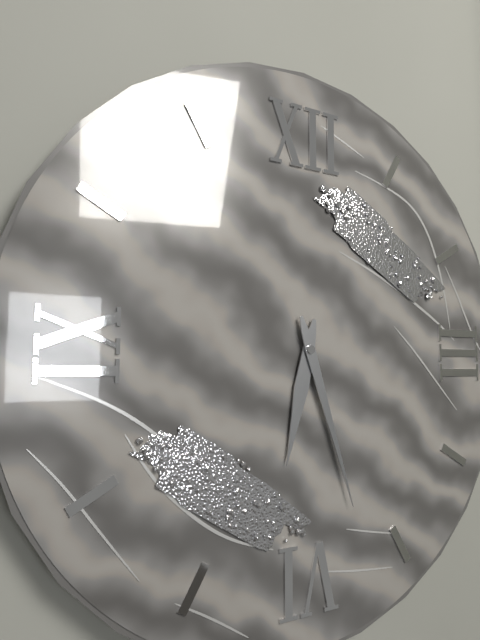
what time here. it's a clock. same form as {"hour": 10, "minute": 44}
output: {"hour": 6, "minute": 27}
